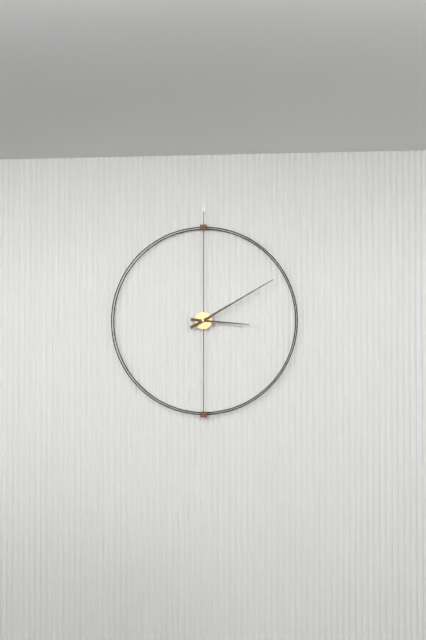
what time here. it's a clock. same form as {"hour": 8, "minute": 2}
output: {"hour": 3, "minute": 10}
